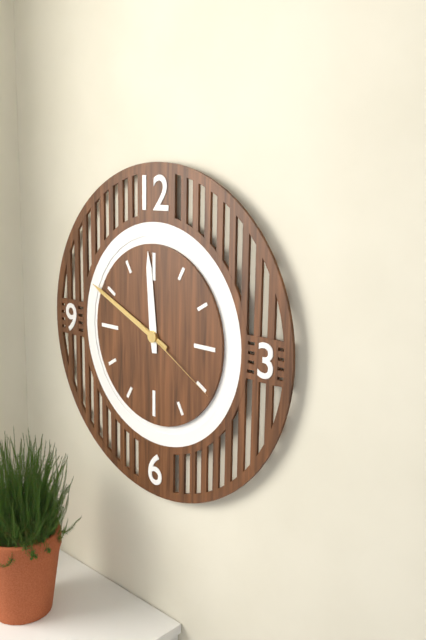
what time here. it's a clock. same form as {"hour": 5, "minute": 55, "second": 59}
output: {"hour": 11, "minute": 49, "second": 20}
